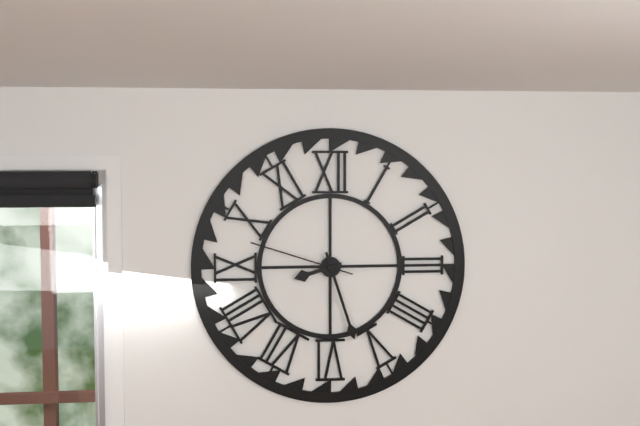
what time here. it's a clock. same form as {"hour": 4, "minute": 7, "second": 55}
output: {"hour": 8, "minute": 27, "second": 48}
